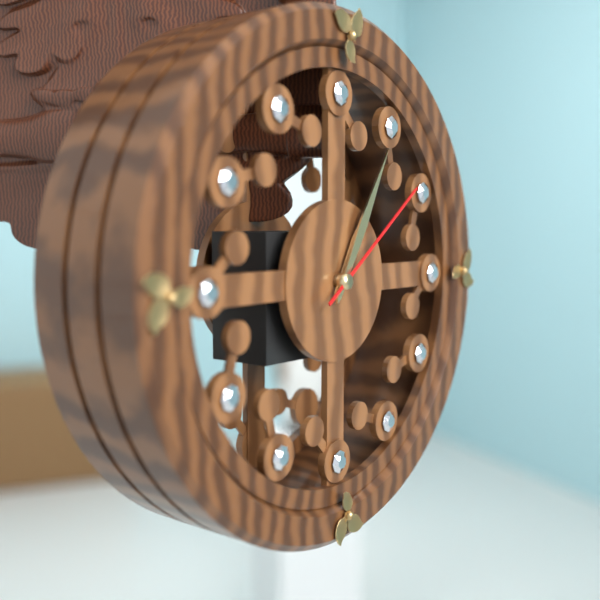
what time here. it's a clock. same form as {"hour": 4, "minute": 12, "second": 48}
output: {"hour": 1, "minute": 5, "second": 9}
